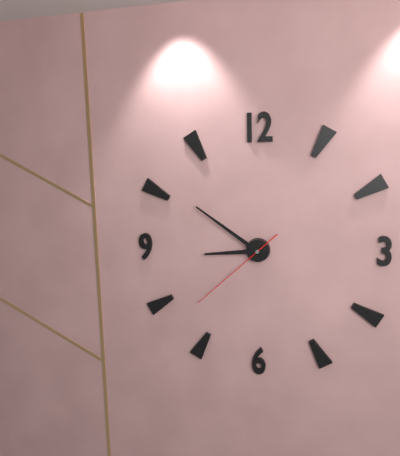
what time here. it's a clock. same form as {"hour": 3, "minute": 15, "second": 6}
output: {"hour": 8, "minute": 51, "second": 38}
